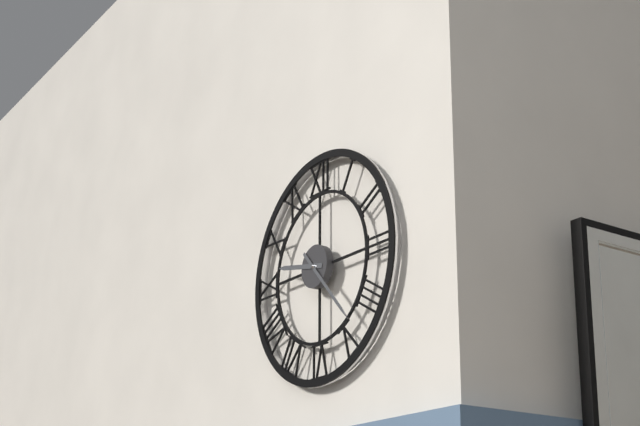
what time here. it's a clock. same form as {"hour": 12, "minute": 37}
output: {"hour": 9, "minute": 23}
